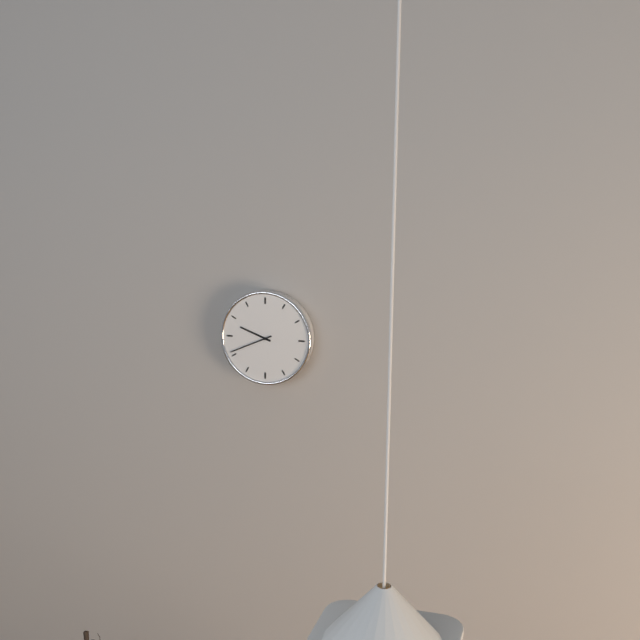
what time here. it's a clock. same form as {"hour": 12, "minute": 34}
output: {"hour": 9, "minute": 41}
